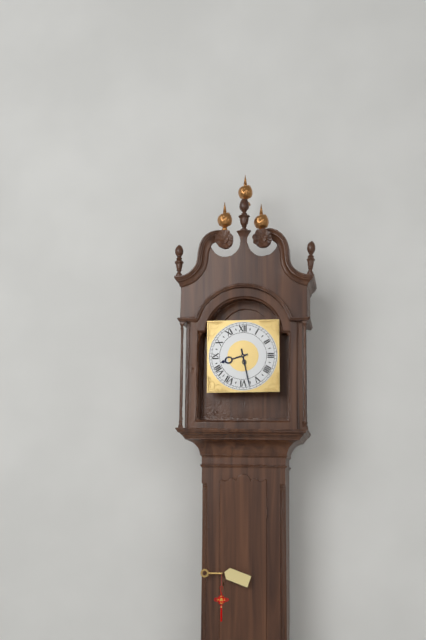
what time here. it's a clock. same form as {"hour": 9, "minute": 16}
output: {"hour": 8, "minute": 28}
